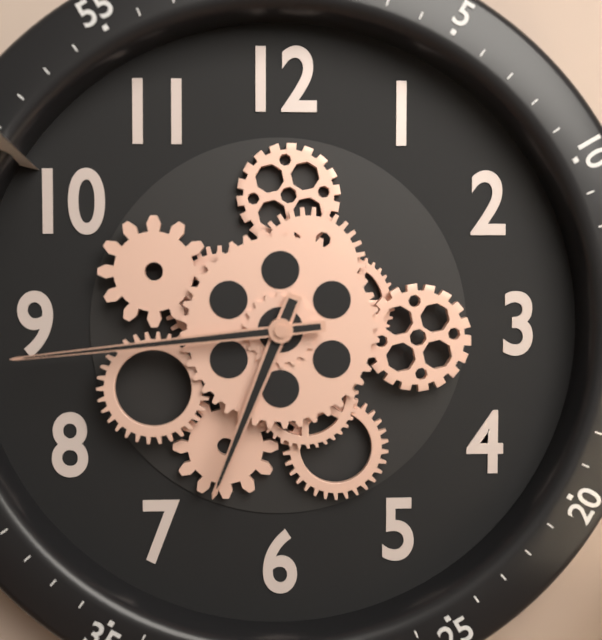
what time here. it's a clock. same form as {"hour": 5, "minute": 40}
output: {"hour": 6, "minute": 44}
